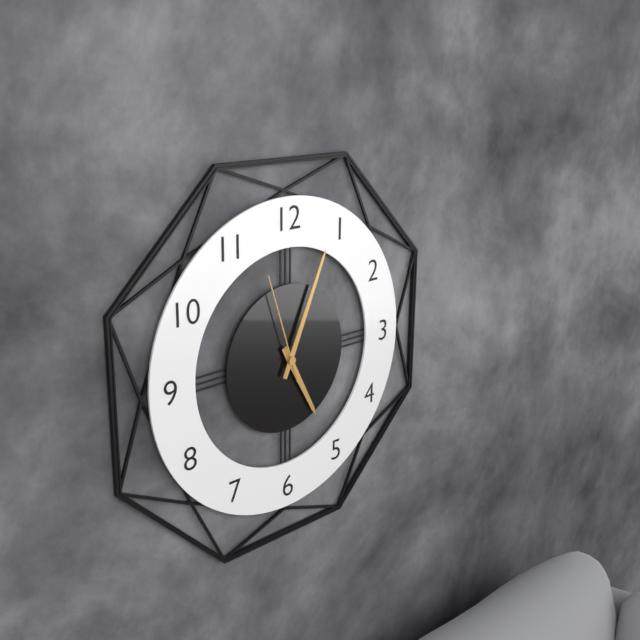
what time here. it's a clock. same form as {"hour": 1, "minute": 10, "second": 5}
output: {"hour": 5, "minute": 4, "second": 57}
